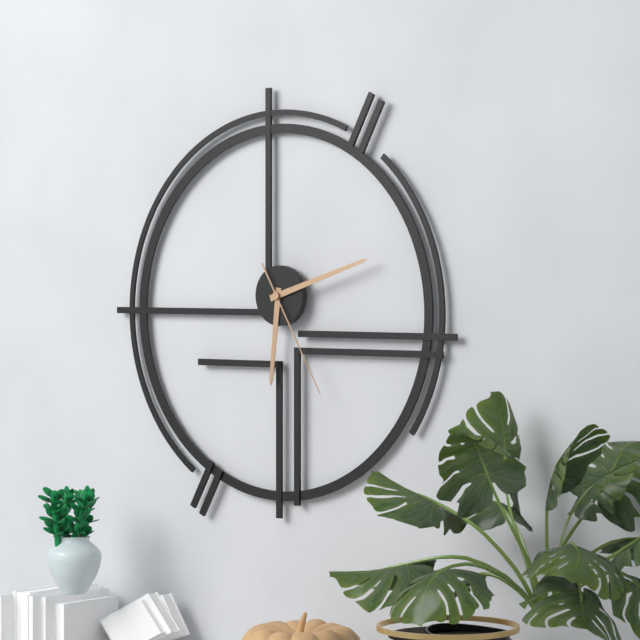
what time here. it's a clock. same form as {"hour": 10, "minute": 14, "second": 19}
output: {"hour": 6, "minute": 12, "second": 25}
